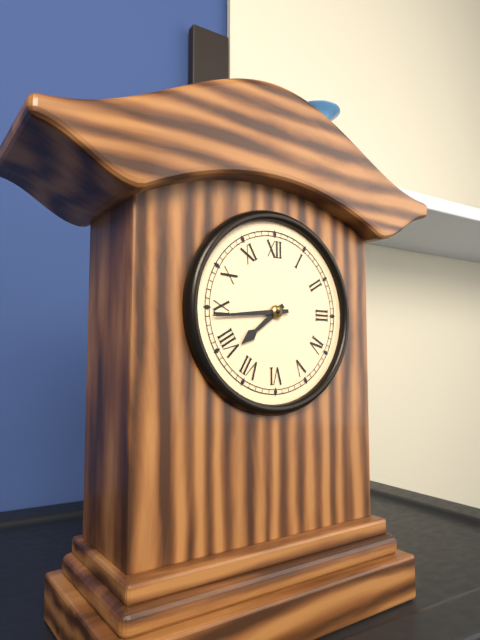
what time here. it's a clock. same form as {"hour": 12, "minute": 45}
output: {"hour": 7, "minute": 44}
